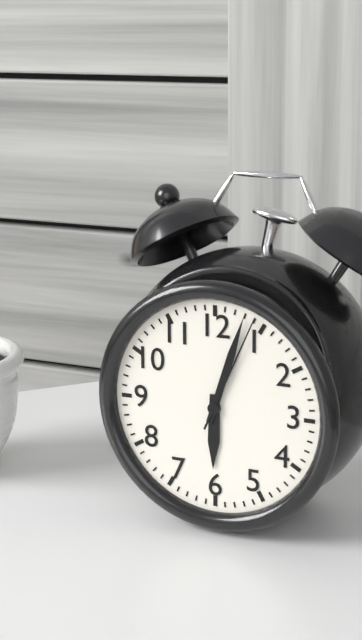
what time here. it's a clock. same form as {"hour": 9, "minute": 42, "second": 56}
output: {"hour": 6, "minute": 3, "second": 4}
